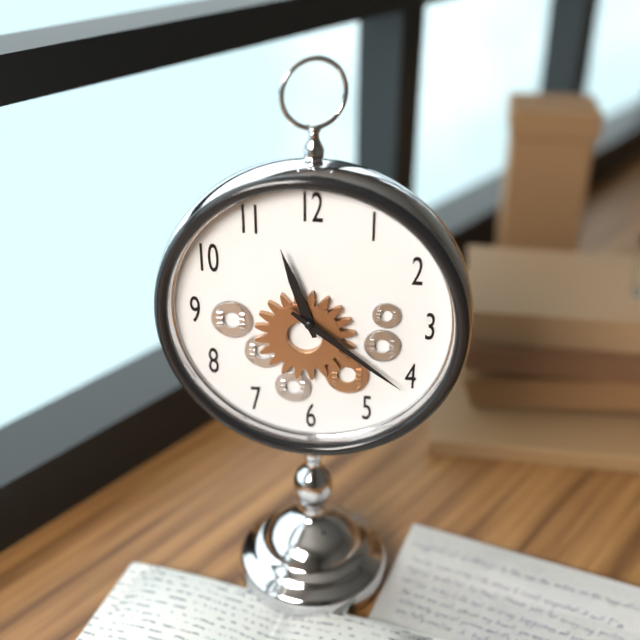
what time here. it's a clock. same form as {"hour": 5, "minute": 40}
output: {"hour": 11, "minute": 21}
